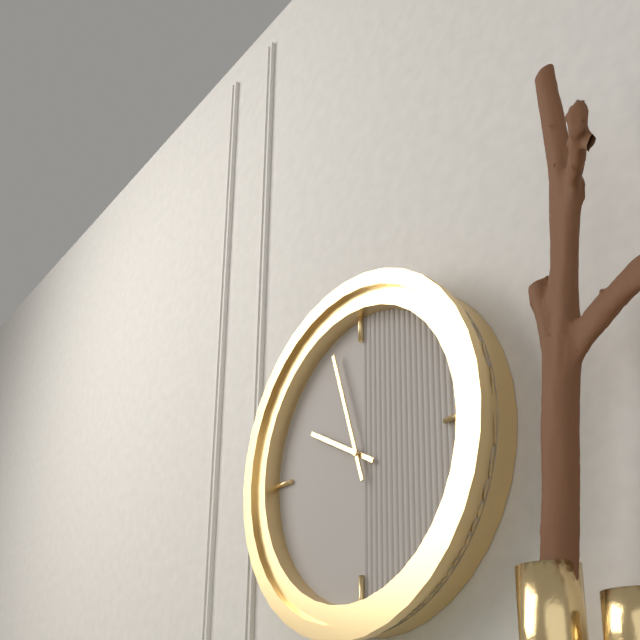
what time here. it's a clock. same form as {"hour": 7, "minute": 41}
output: {"hour": 9, "minute": 57}
